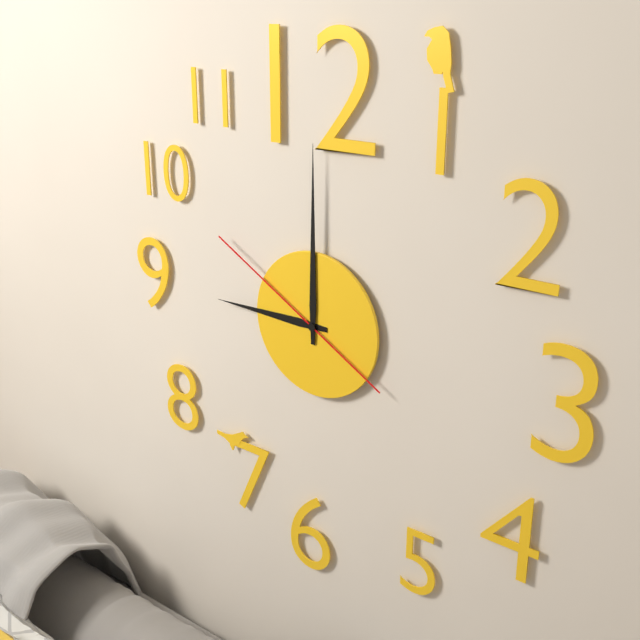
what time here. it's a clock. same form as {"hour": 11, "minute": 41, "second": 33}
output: {"hour": 9, "minute": 0, "second": 50}
